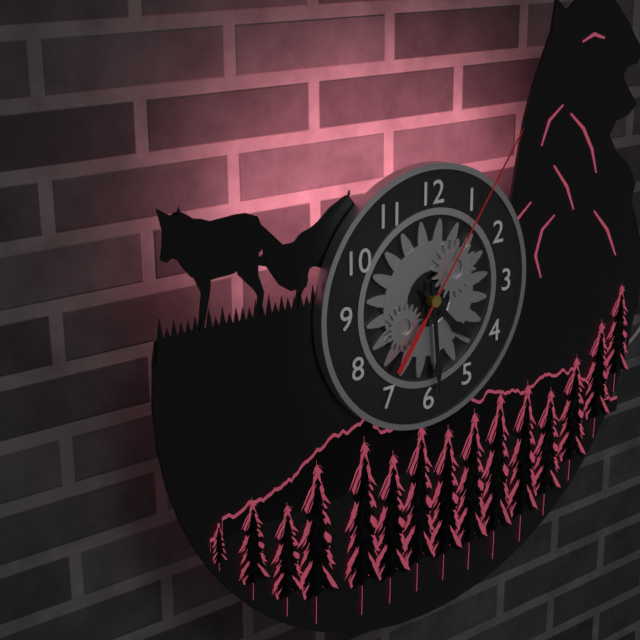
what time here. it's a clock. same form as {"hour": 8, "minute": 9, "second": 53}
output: {"hour": 4, "minute": 29, "second": 6}
